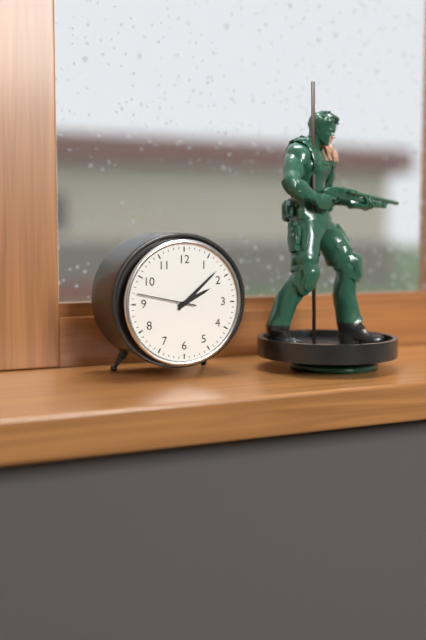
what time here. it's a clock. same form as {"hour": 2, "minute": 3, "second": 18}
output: {"hour": 2, "minute": 8, "second": 47}
